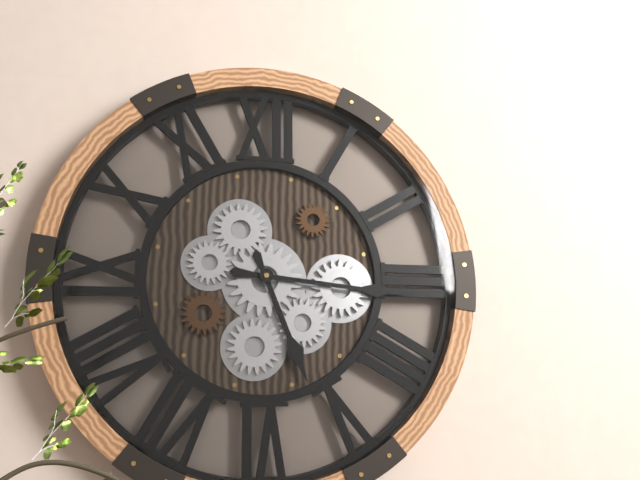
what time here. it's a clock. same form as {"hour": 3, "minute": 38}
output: {"hour": 5, "minute": 16}
